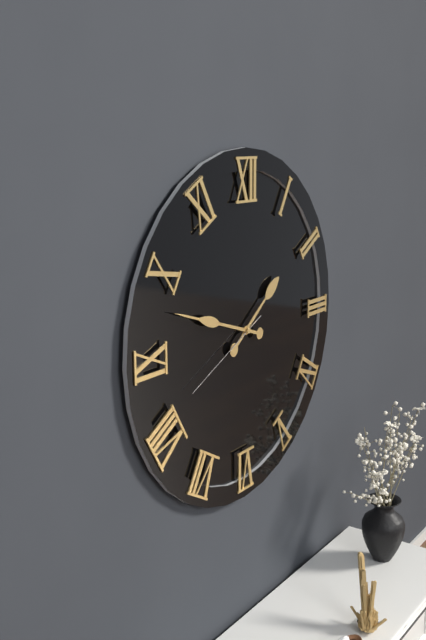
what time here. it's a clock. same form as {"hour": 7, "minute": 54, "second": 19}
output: {"hour": 1, "minute": 48, "second": 41}
